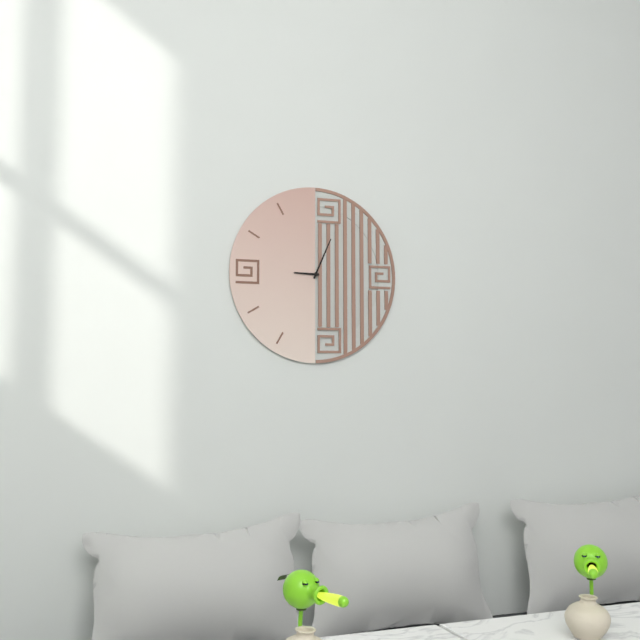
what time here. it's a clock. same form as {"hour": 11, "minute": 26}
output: {"hour": 9, "minute": 4}
